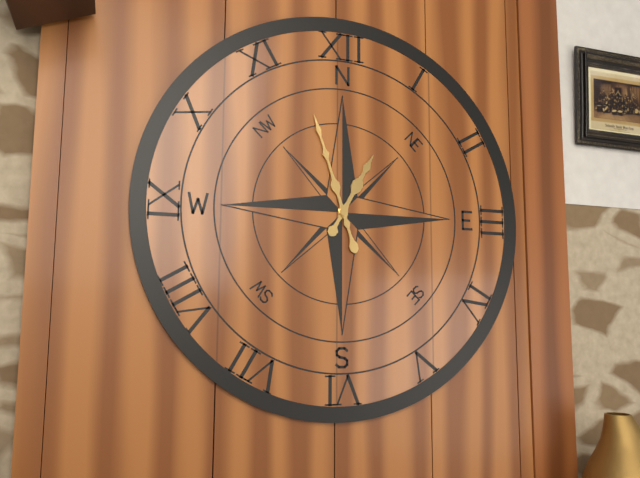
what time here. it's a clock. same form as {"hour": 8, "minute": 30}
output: {"hour": 12, "minute": 57}
